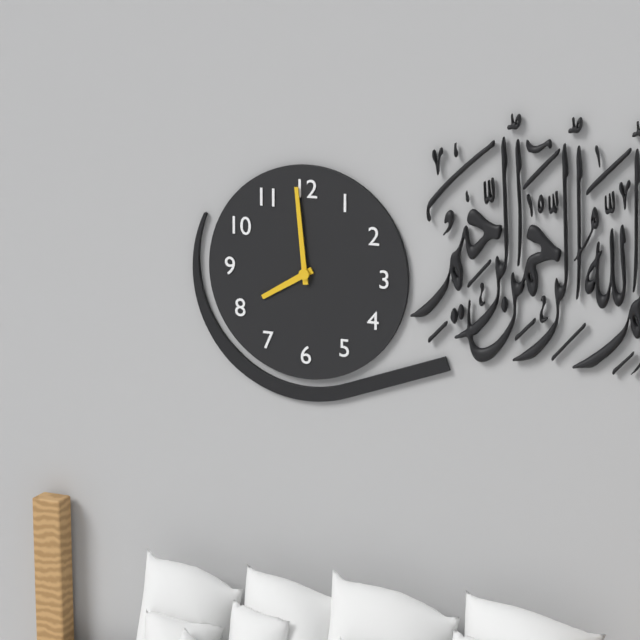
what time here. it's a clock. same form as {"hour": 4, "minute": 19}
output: {"hour": 7, "minute": 59}
